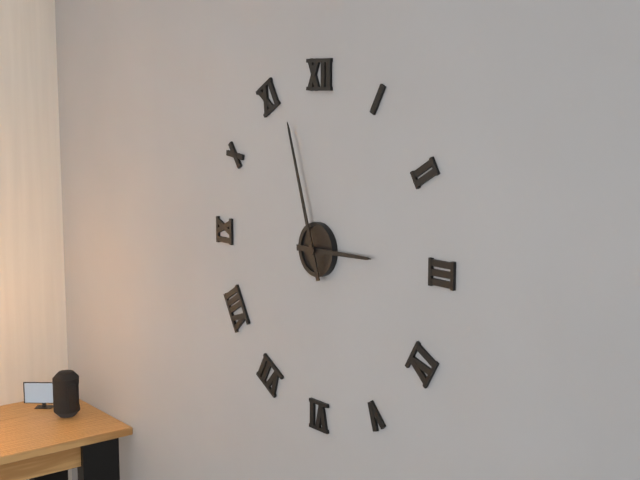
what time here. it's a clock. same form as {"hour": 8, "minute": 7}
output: {"hour": 2, "minute": 57}
